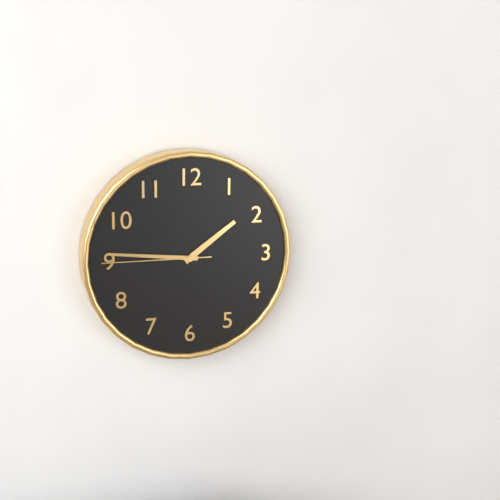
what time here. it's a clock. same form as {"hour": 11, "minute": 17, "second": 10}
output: {"hour": 1, "minute": 46, "second": 45}
